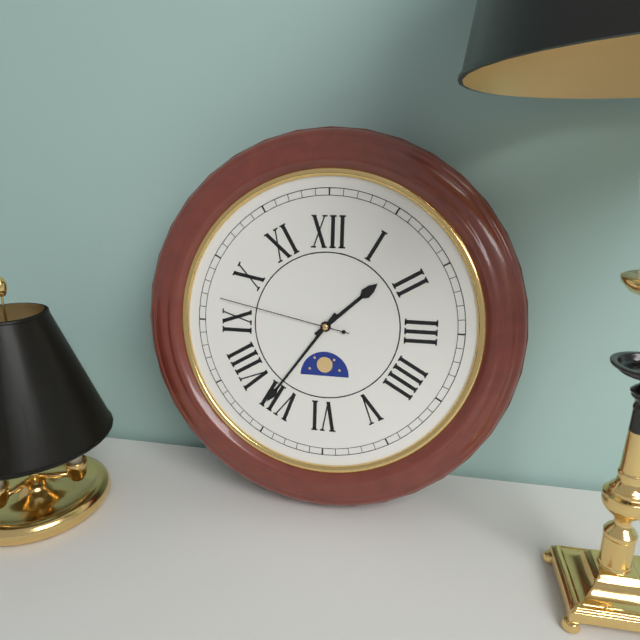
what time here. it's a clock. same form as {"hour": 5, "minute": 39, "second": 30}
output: {"hour": 1, "minute": 36, "second": 47}
